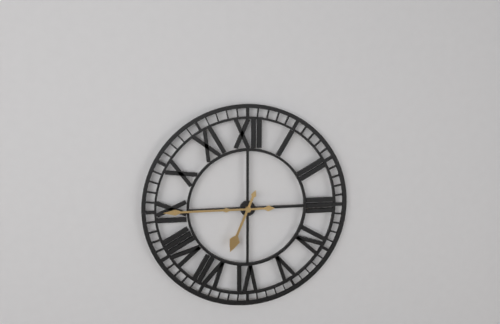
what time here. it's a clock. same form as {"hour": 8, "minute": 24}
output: {"hour": 6, "minute": 45}
